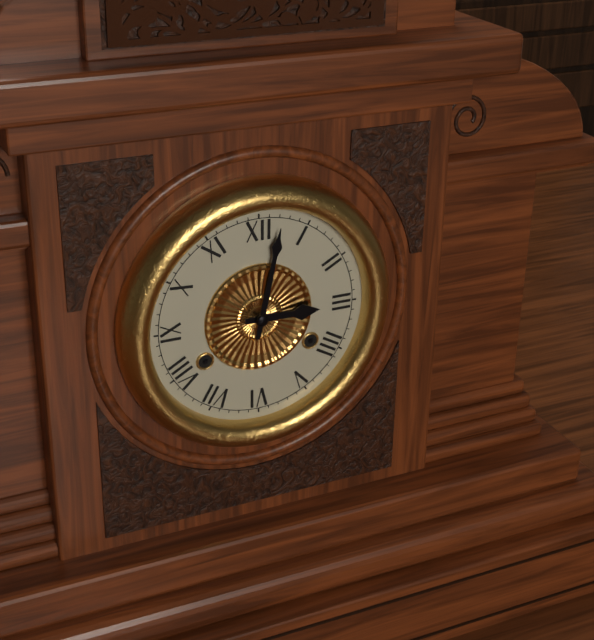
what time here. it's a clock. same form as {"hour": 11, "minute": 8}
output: {"hour": 3, "minute": 2}
